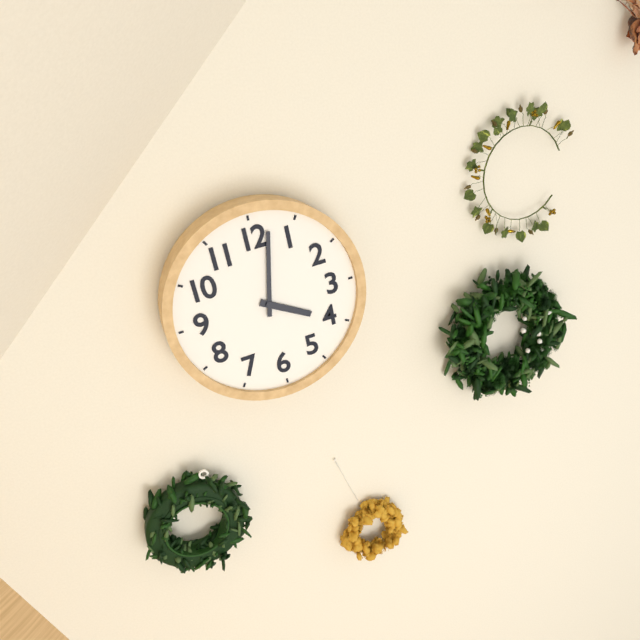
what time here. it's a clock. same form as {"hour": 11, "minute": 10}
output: {"hour": 4, "minute": 2}
